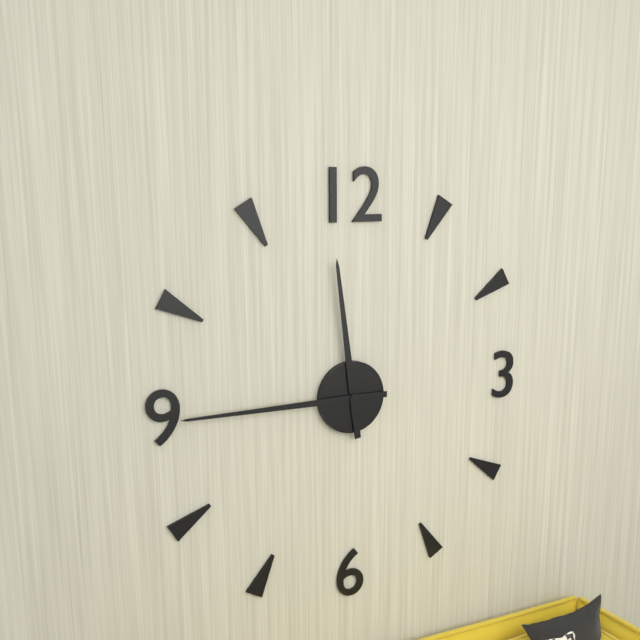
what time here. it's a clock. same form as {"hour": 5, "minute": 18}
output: {"hour": 11, "minute": 45}
